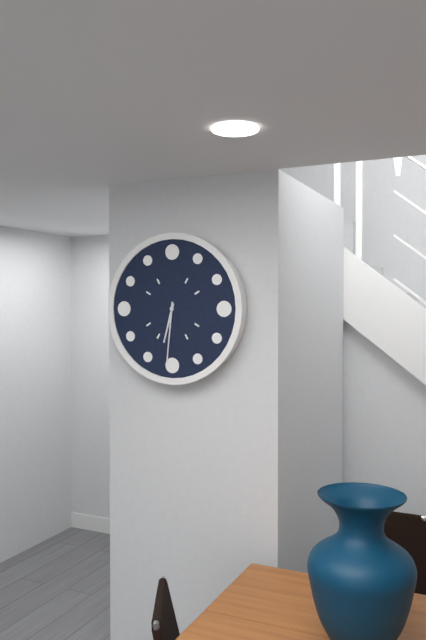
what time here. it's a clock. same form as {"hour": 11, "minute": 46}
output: {"hour": 6, "minute": 31}
